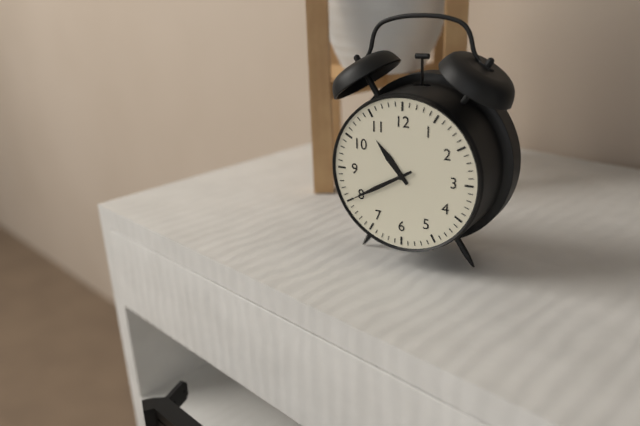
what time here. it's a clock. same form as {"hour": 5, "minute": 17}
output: {"hour": 10, "minute": 40}
